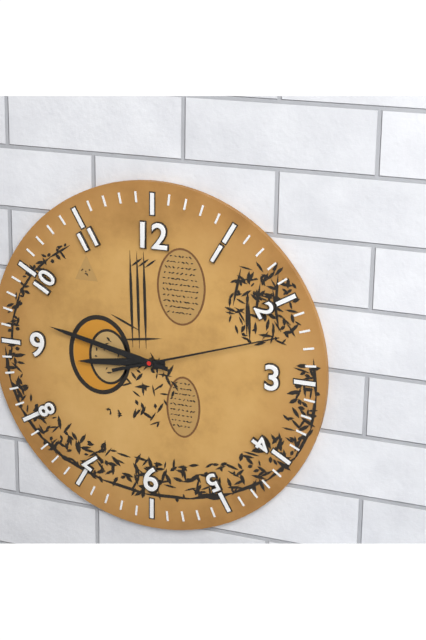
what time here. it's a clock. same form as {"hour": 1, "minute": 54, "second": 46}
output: {"hour": 8, "minute": 47, "second": 12}
